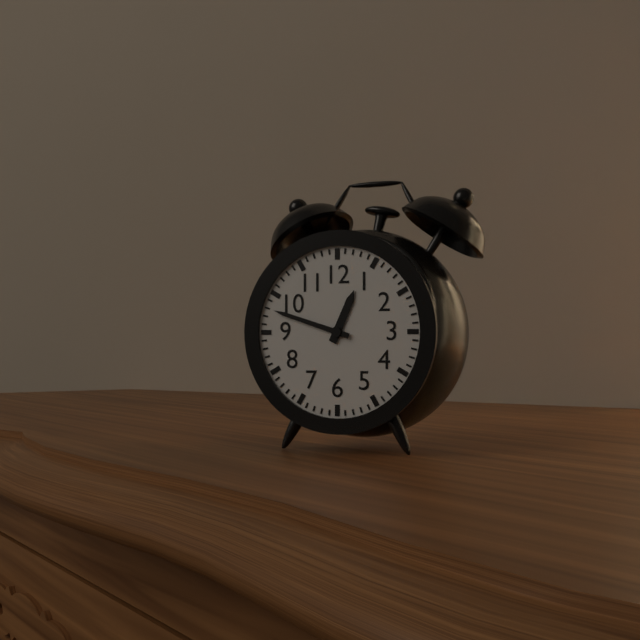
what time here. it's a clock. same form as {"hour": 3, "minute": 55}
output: {"hour": 12, "minute": 48}
